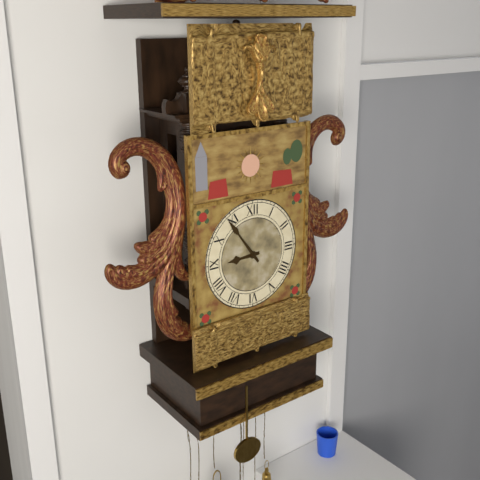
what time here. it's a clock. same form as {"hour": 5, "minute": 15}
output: {"hour": 8, "minute": 54}
